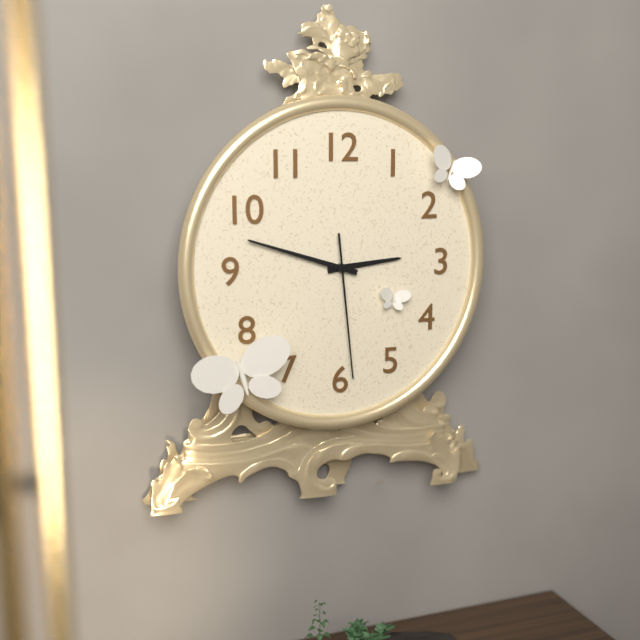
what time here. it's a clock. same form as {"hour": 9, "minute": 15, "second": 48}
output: {"hour": 2, "minute": 48, "second": 29}
